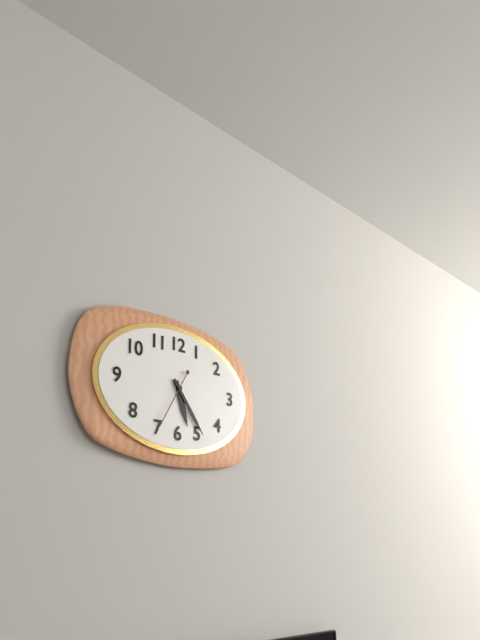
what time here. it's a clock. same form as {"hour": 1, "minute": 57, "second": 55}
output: {"hour": 5, "minute": 24, "second": 35}
